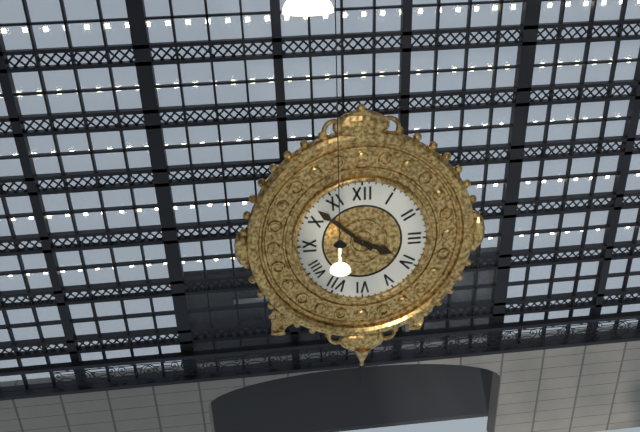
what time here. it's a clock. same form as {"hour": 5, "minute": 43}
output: {"hour": 3, "minute": 52}
